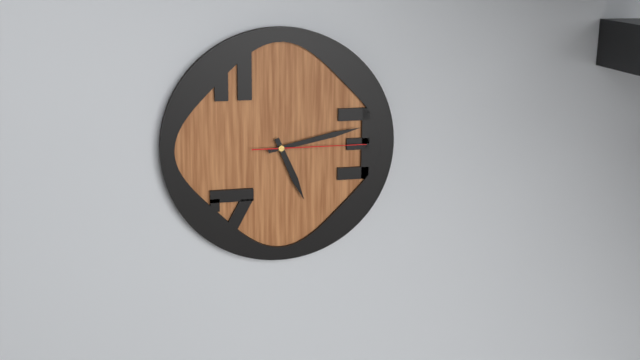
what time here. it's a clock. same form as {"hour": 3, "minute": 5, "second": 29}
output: {"hour": 5, "minute": 13, "second": 15}
